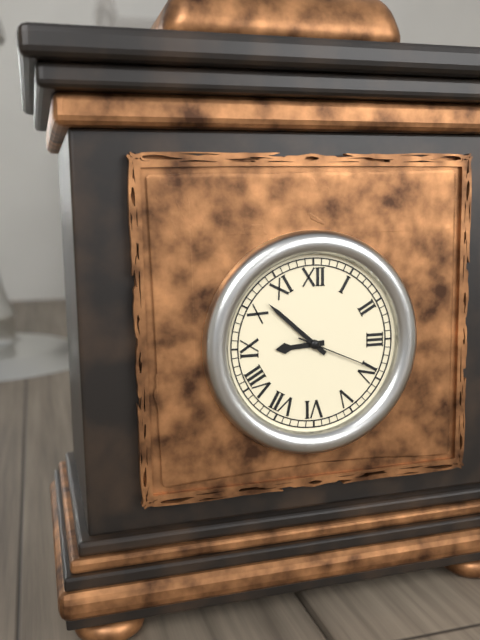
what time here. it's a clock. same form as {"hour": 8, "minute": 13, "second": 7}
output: {"hour": 8, "minute": 52, "second": 19}
